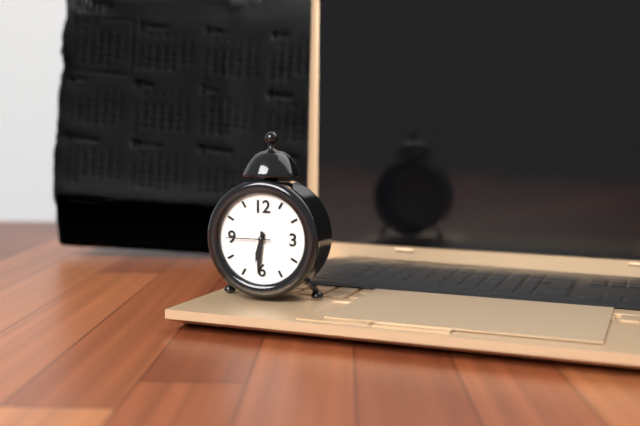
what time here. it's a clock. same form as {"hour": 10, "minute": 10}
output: {"hour": 6, "minute": 31}
